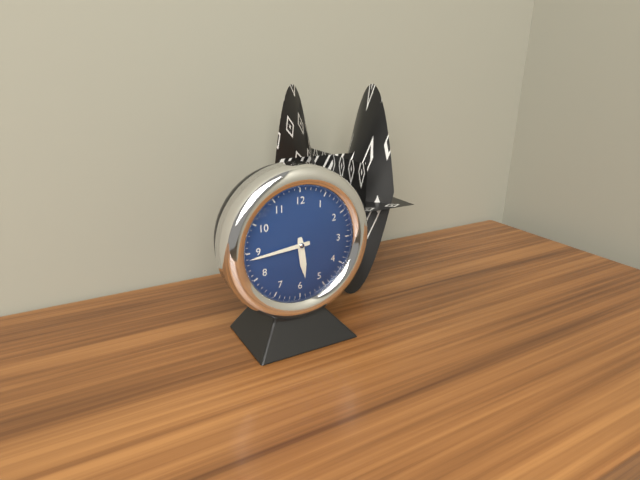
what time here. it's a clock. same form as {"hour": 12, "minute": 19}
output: {"hour": 5, "minute": 44}
